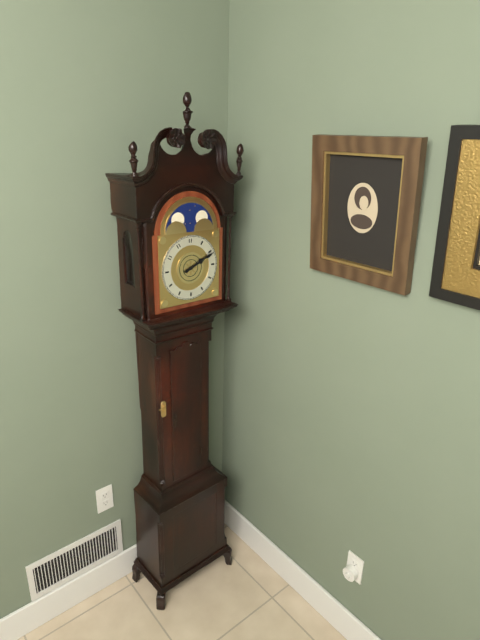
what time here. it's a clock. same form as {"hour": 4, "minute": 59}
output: {"hour": 2, "minute": 11}
